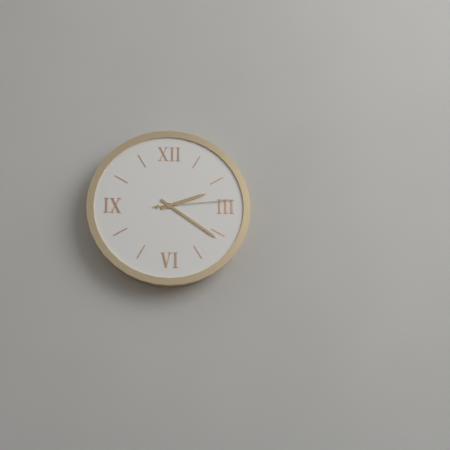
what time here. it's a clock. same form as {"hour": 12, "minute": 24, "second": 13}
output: {"hour": 2, "minute": 21, "second": 14}
